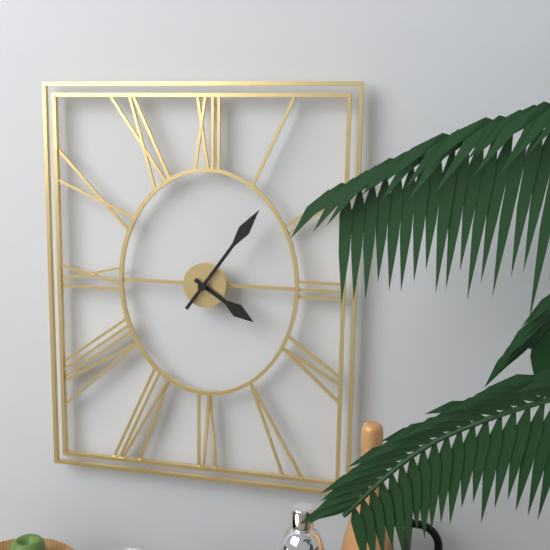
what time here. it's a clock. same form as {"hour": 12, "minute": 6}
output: {"hour": 4, "minute": 6}
